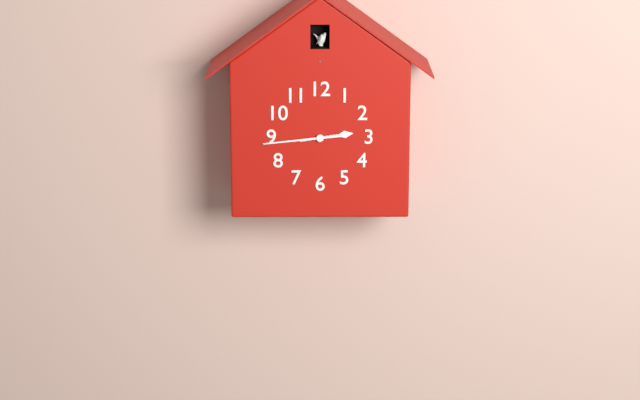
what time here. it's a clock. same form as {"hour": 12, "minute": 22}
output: {"hour": 2, "minute": 44}
